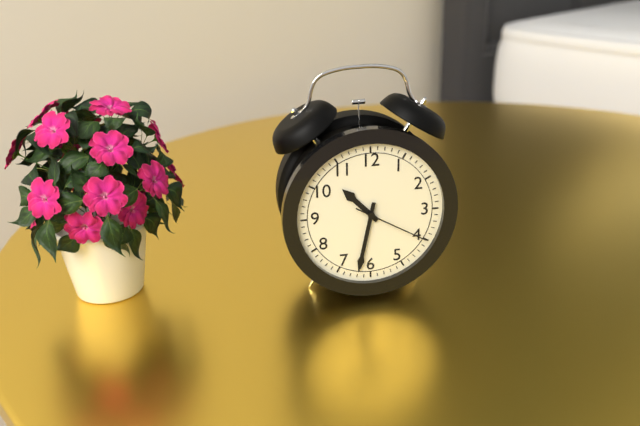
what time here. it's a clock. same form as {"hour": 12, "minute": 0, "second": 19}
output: {"hour": 10, "minute": 32, "second": 20}
